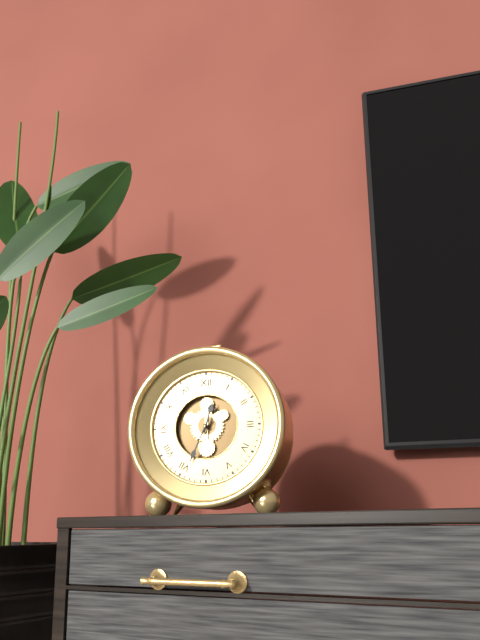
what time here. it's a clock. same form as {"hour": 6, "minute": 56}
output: {"hour": 12, "minute": 34}
